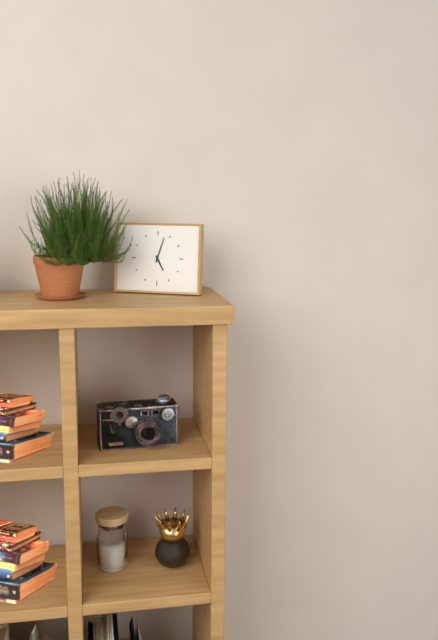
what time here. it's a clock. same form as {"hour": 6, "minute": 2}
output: {"hour": 5, "minute": 3}
